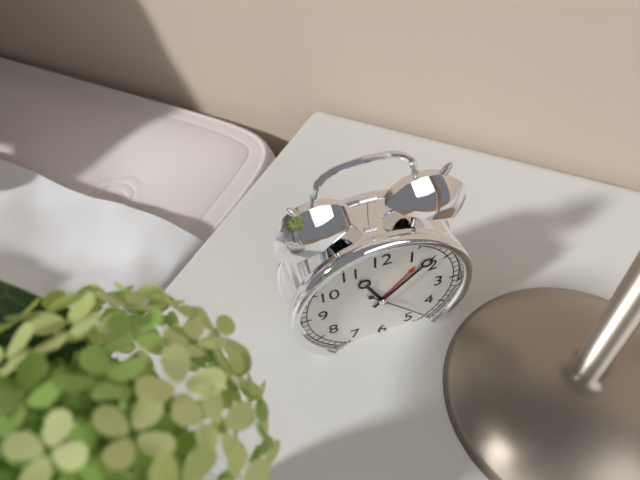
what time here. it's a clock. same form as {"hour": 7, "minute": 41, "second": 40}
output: {"hour": 11, "minute": 8, "second": 23}
